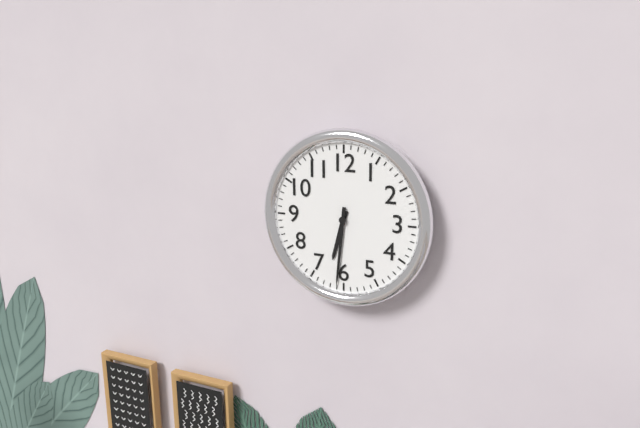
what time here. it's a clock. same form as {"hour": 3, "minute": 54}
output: {"hour": 6, "minute": 31}
